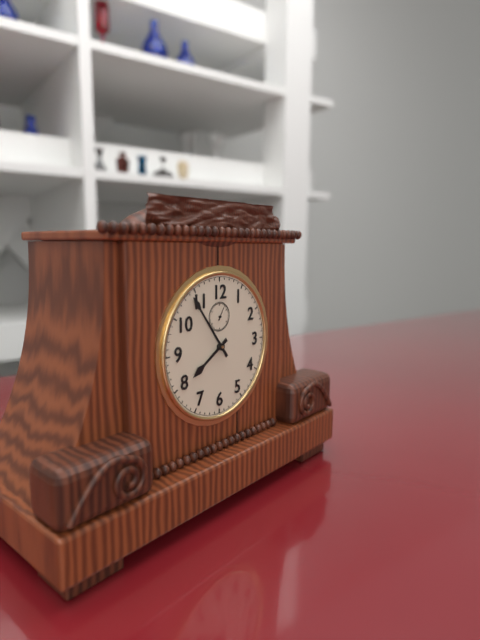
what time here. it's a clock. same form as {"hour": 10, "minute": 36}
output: {"hour": 7, "minute": 54}
